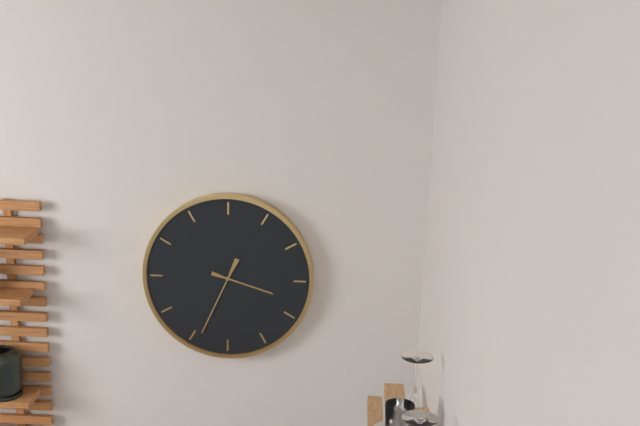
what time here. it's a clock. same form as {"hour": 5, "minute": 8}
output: {"hour": 3, "minute": 34}
